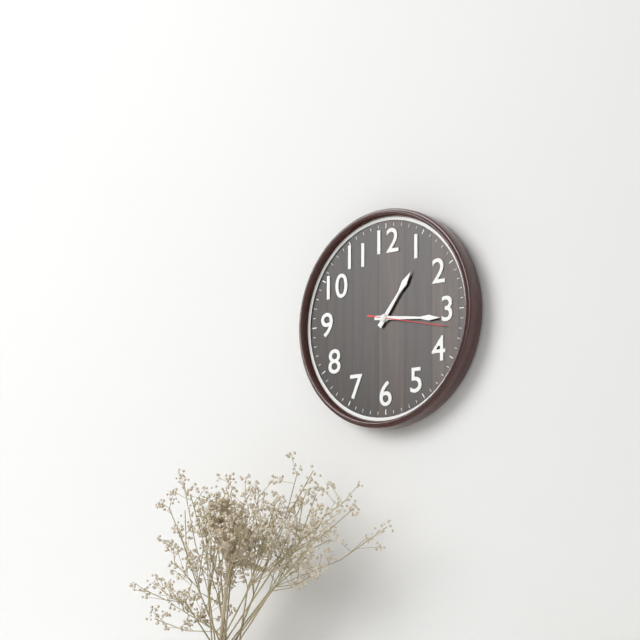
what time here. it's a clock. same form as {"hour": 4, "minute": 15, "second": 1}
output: {"hour": 1, "minute": 16, "second": 17}
